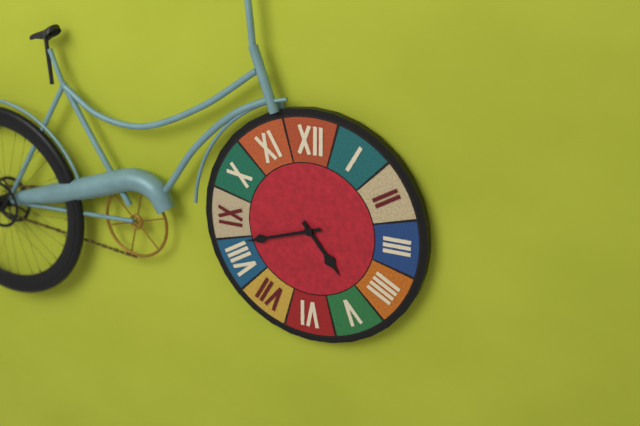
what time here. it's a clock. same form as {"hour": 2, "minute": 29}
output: {"hour": 4, "minute": 42}
